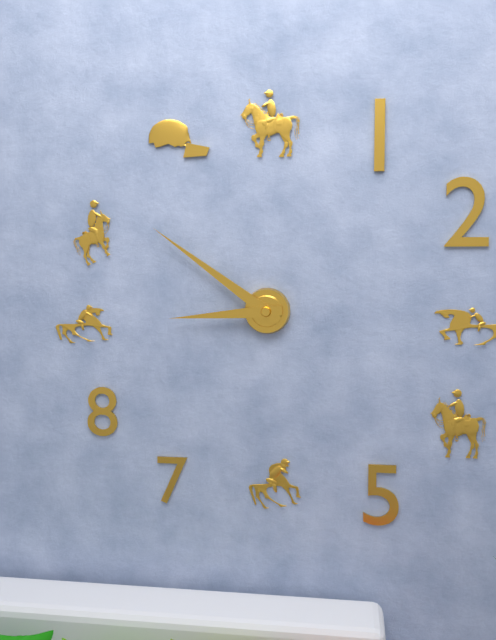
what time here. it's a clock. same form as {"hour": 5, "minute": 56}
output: {"hour": 8, "minute": 51}
